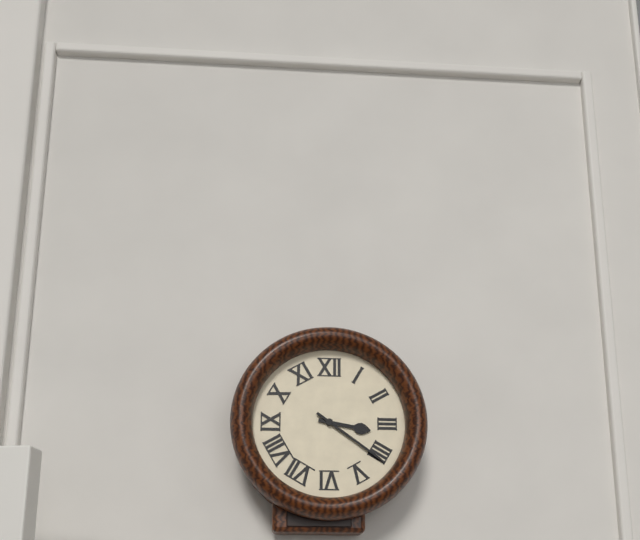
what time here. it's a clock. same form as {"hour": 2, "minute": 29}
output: {"hour": 3, "minute": 21}
